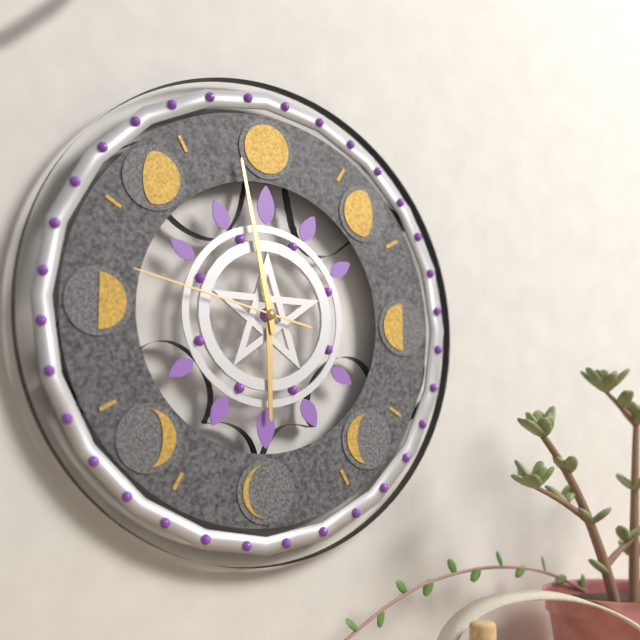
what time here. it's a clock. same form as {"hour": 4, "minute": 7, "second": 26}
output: {"hour": 5, "minute": 58, "second": 47}
